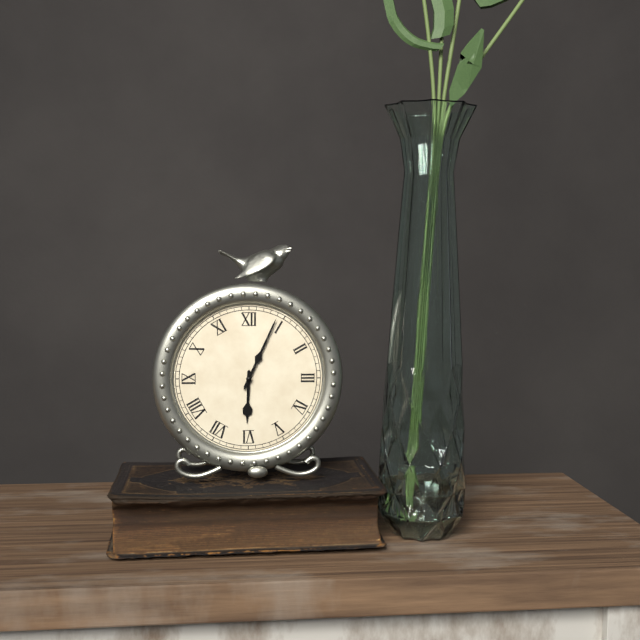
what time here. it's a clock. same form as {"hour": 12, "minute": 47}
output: {"hour": 6, "minute": 4}
